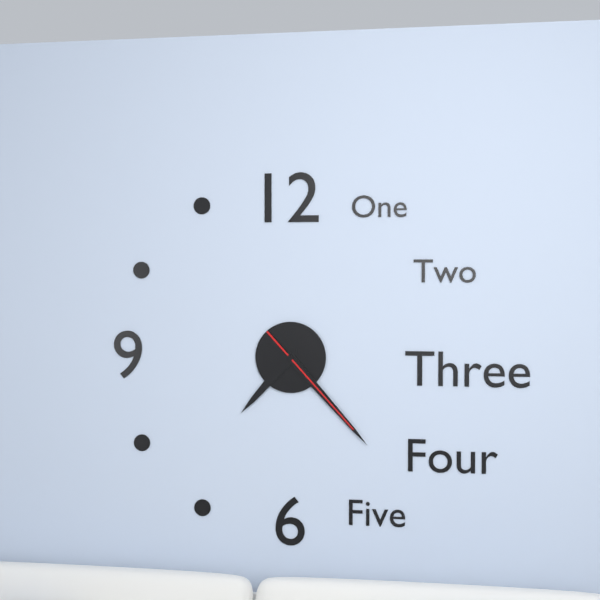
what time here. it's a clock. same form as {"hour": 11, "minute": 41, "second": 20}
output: {"hour": 7, "minute": 23, "second": 23}
